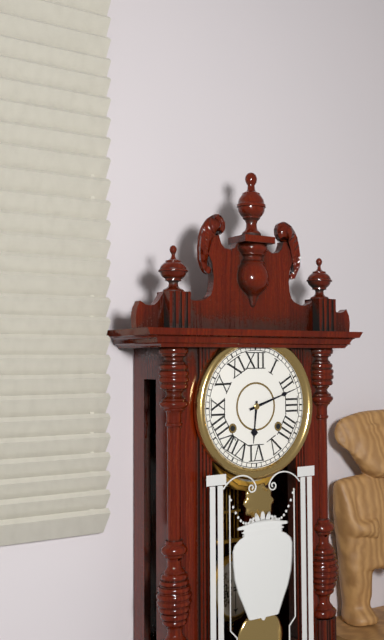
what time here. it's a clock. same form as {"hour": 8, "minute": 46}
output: {"hour": 6, "minute": 12}
